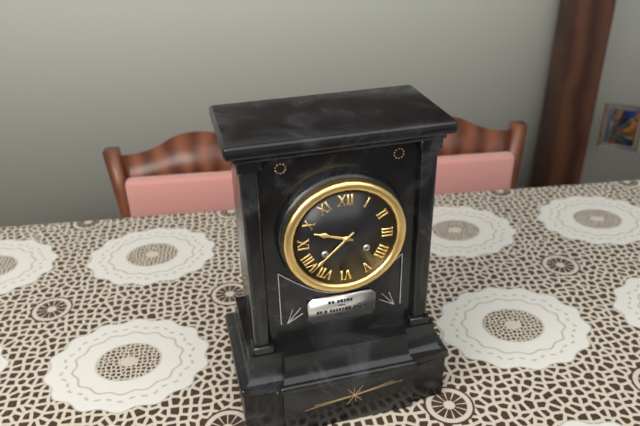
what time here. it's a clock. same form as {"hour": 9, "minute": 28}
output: {"hour": 9, "minute": 38}
